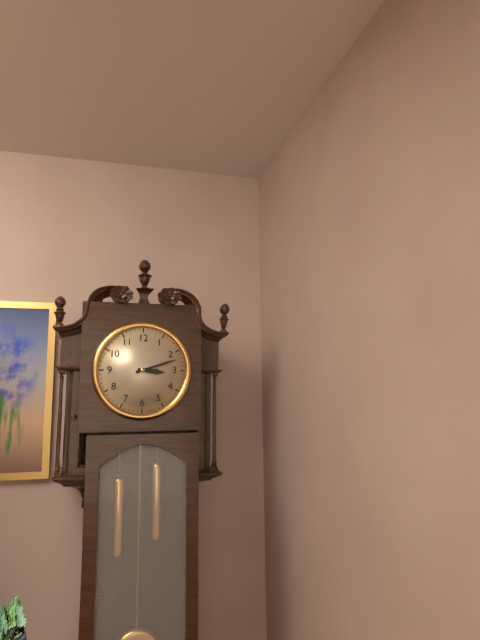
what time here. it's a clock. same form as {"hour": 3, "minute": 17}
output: {"hour": 3, "minute": 12}
